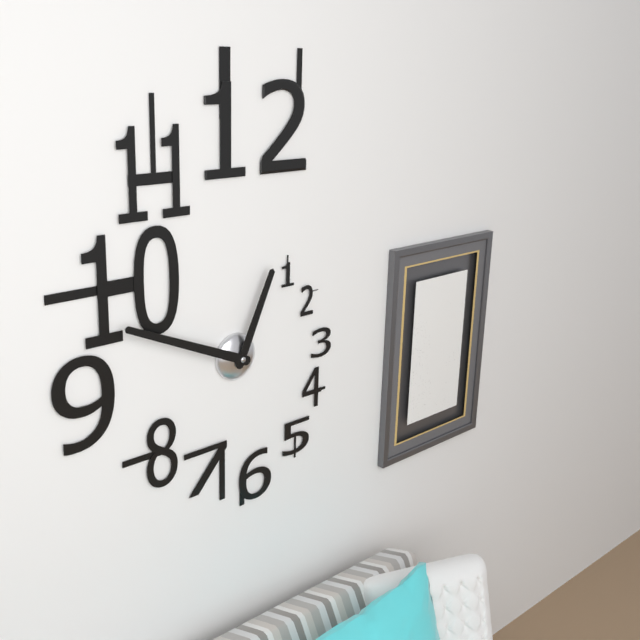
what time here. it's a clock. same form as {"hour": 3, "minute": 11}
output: {"hour": 12, "minute": 49}
